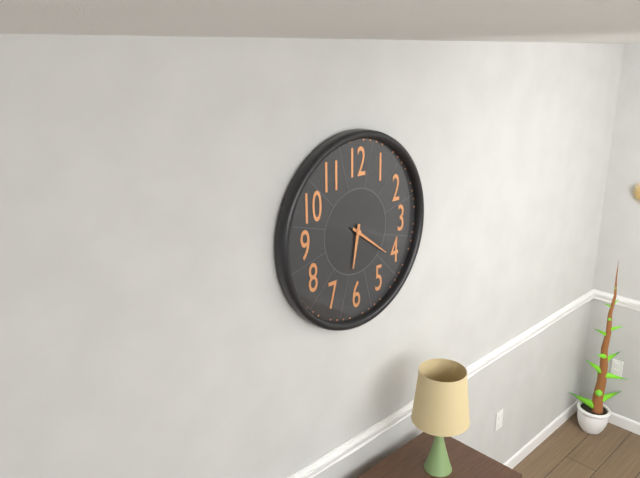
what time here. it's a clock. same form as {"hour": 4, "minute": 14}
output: {"hour": 6, "minute": 21}
